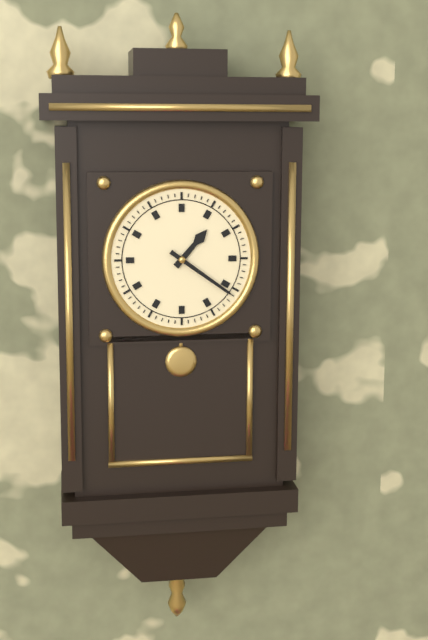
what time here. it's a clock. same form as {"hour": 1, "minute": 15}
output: {"hour": 1, "minute": 21}
